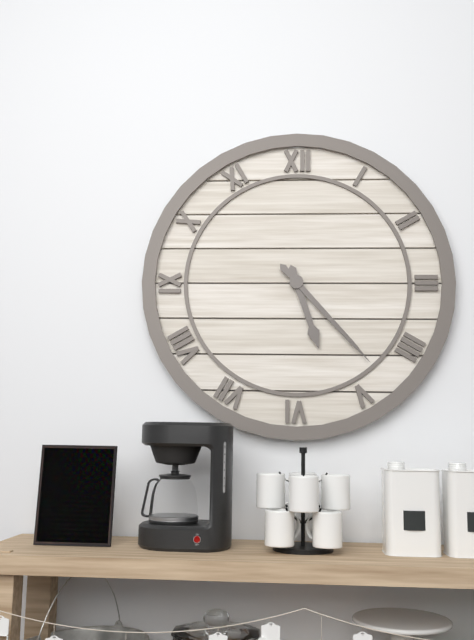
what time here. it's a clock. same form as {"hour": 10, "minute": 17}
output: {"hour": 5, "minute": 23}
